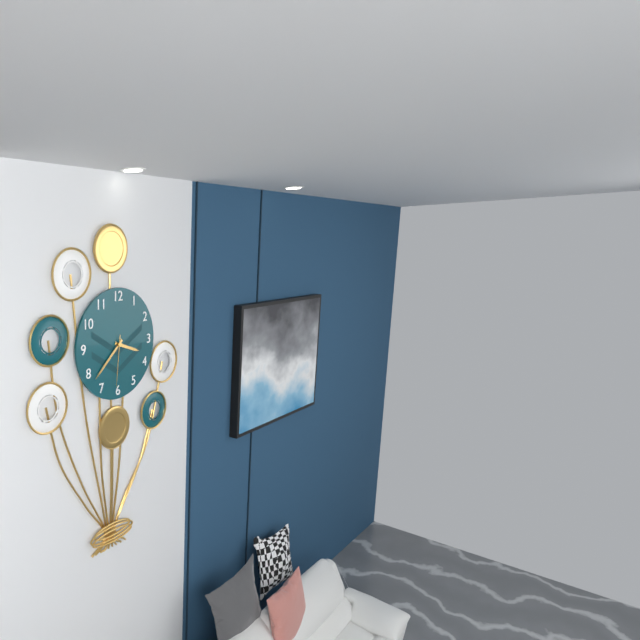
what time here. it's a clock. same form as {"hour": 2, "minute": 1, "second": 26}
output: {"hour": 3, "minute": 38, "second": 31}
